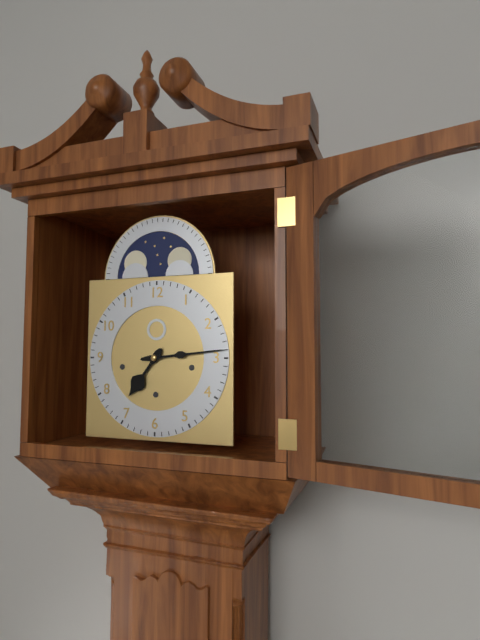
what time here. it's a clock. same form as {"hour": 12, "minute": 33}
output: {"hour": 7, "minute": 14}
